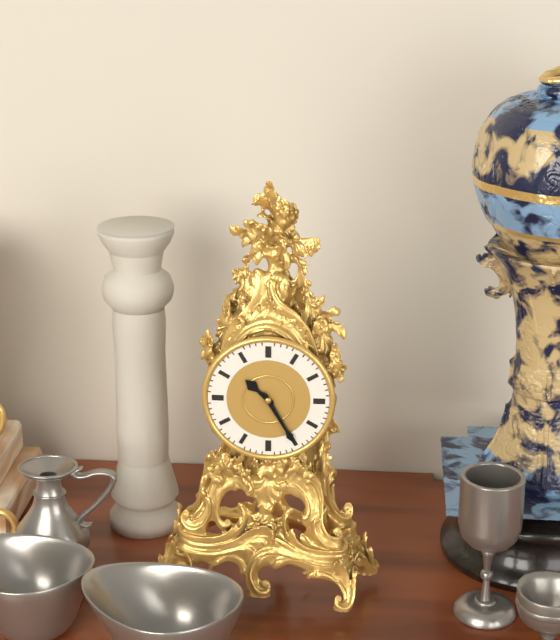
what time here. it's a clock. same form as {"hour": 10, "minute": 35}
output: {"hour": 10, "minute": 25}
